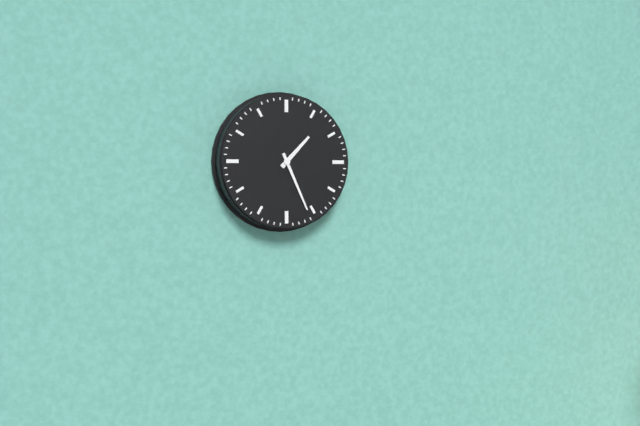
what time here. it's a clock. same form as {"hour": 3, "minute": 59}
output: {"hour": 1, "minute": 26}
